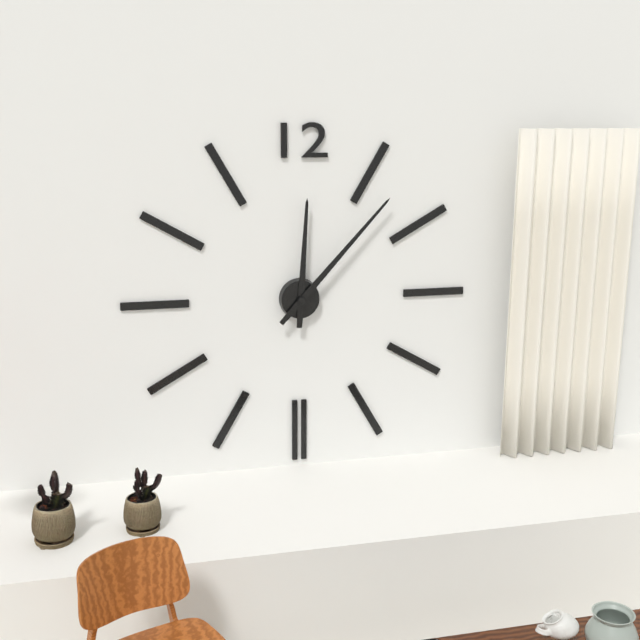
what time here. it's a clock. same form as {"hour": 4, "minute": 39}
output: {"hour": 12, "minute": 7}
